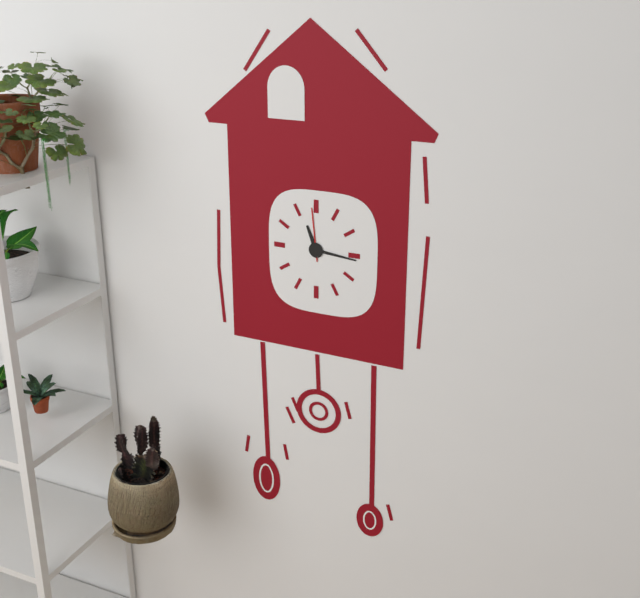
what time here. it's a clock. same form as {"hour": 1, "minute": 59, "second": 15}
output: {"hour": 11, "minute": 16, "second": 59}
